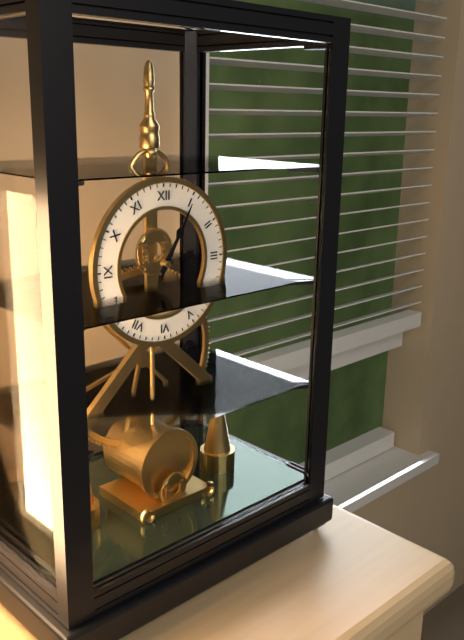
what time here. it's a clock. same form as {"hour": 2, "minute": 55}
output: {"hour": 1, "minute": 5}
